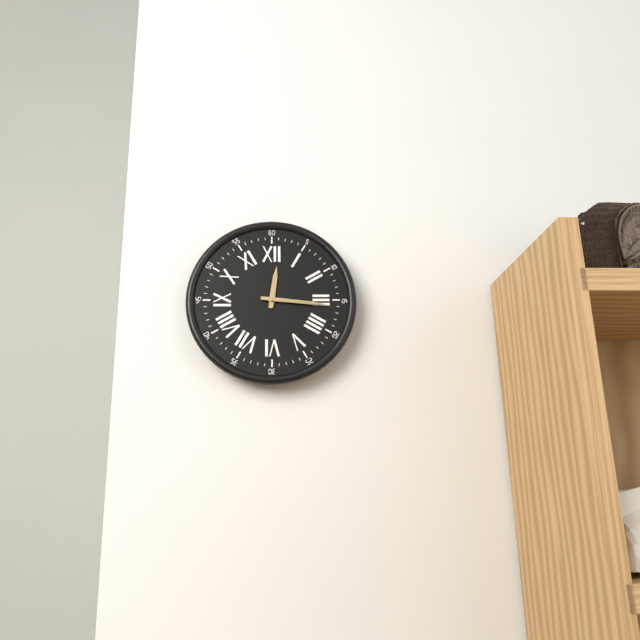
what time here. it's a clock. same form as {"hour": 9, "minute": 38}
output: {"hour": 12, "minute": 16}
